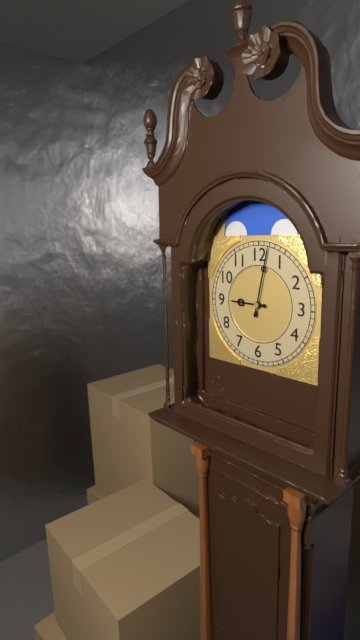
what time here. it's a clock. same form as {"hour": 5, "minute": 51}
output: {"hour": 9, "minute": 2}
